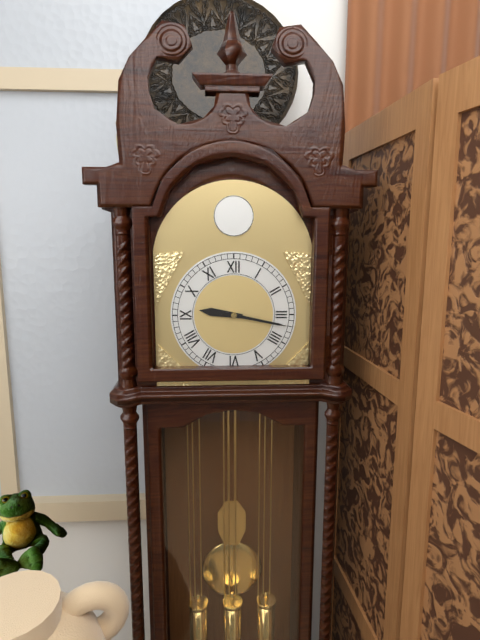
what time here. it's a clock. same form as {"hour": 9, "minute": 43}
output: {"hour": 9, "minute": 17}
